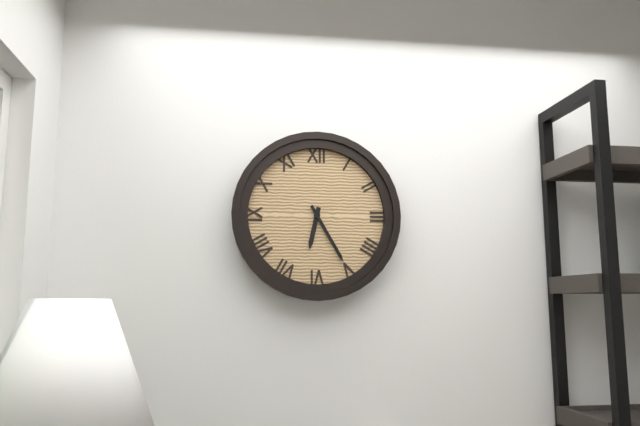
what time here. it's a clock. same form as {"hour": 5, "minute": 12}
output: {"hour": 6, "minute": 25}
